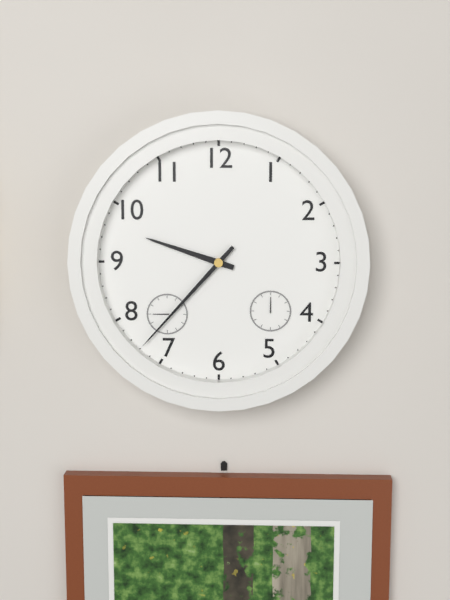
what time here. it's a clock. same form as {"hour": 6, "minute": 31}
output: {"hour": 9, "minute": 37}
